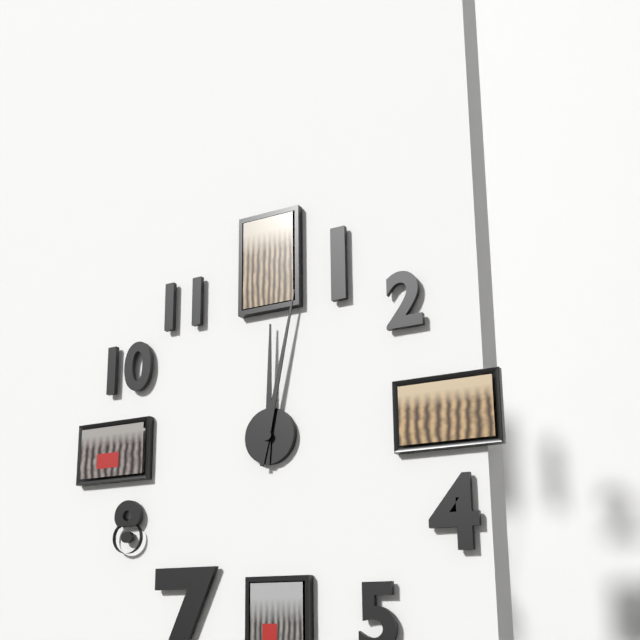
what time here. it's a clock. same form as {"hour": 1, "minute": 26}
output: {"hour": 12, "minute": 2}
